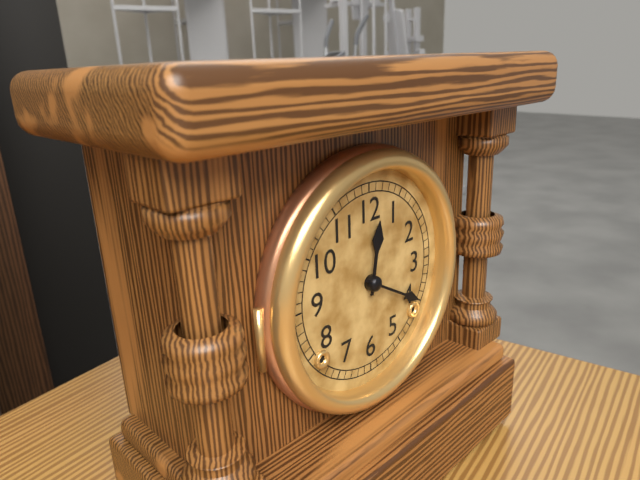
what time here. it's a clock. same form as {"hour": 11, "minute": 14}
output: {"hour": 12, "minute": 20}
